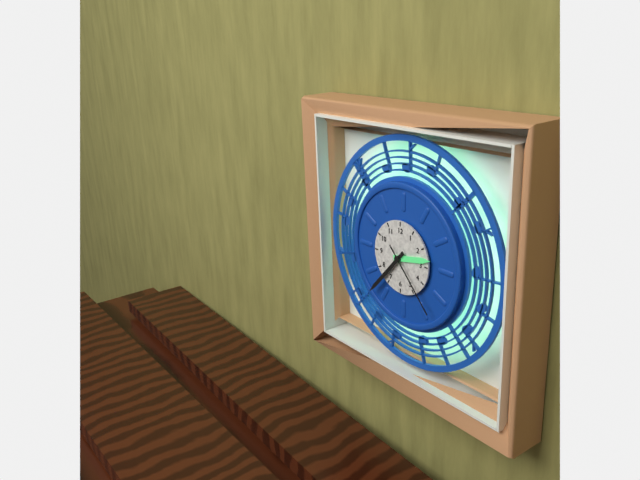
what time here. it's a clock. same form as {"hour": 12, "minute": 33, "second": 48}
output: {"hour": 2, "minute": 37, "second": 23}
